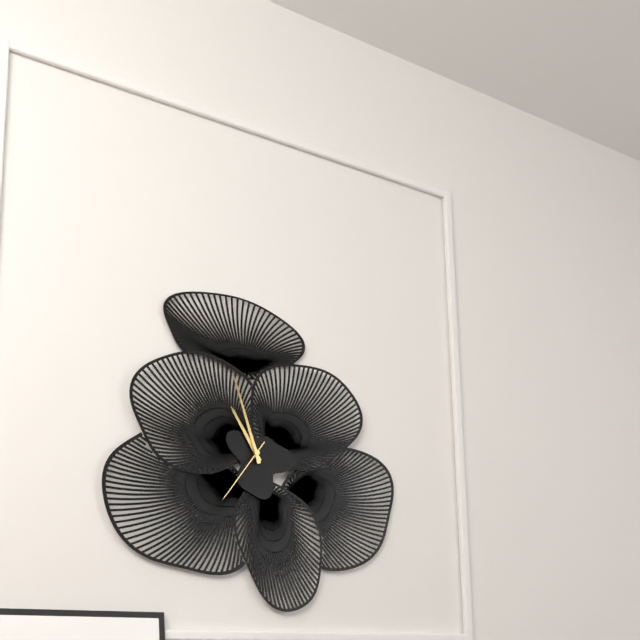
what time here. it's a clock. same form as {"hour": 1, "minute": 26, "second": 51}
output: {"hour": 10, "minute": 57, "second": 36}
